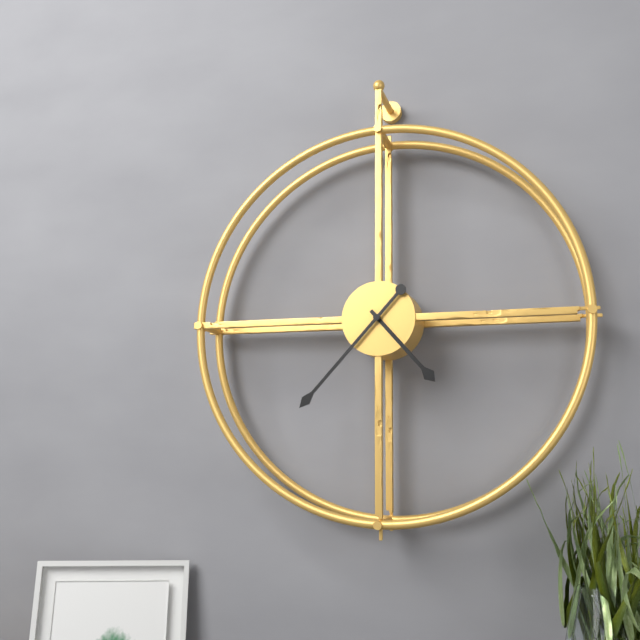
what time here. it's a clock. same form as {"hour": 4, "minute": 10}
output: {"hour": 4, "minute": 37}
